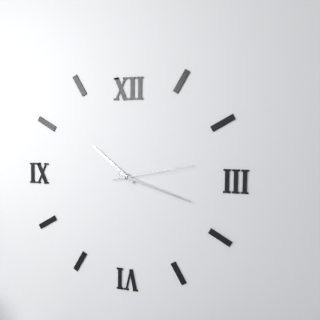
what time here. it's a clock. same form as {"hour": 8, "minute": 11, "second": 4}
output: {"hour": 10, "minute": 18, "second": 13}
